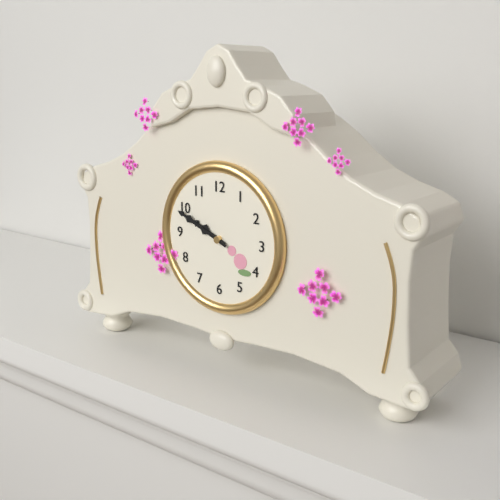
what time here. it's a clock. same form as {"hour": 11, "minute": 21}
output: {"hour": 9, "minute": 49}
